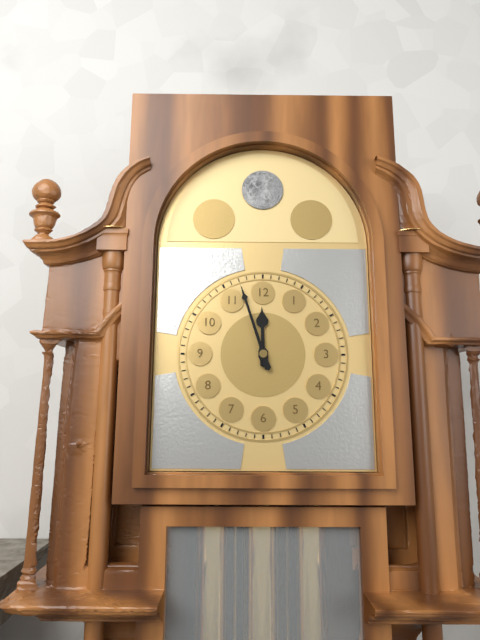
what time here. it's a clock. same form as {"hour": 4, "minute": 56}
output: {"hour": 11, "minute": 57}
